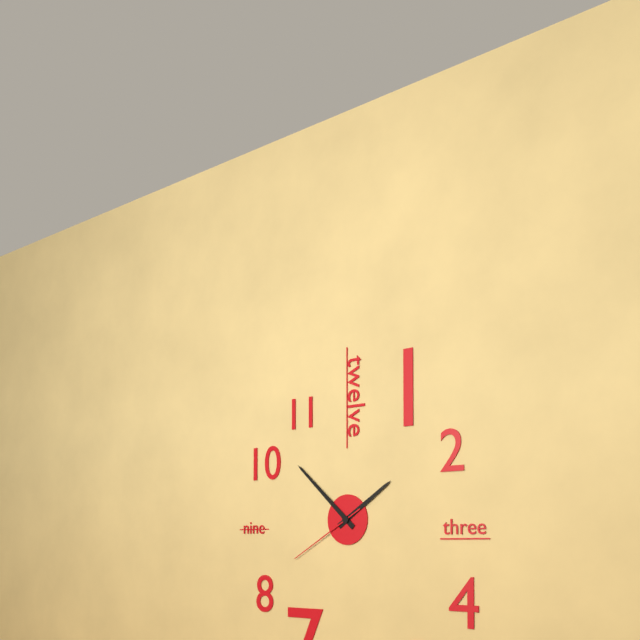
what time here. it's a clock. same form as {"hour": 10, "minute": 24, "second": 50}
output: {"hour": 1, "minute": 52, "second": 40}
